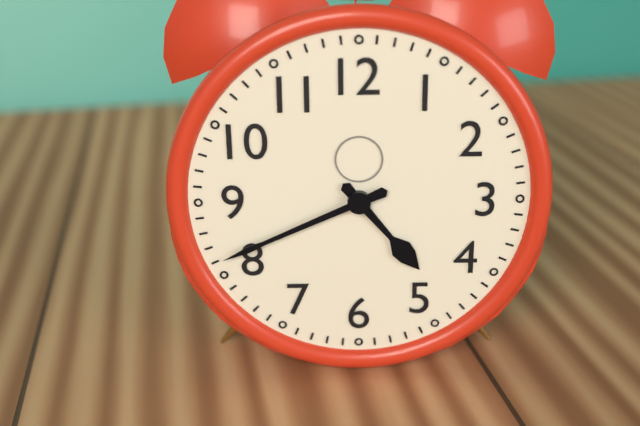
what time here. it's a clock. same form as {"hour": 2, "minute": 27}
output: {"hour": 4, "minute": 41}
